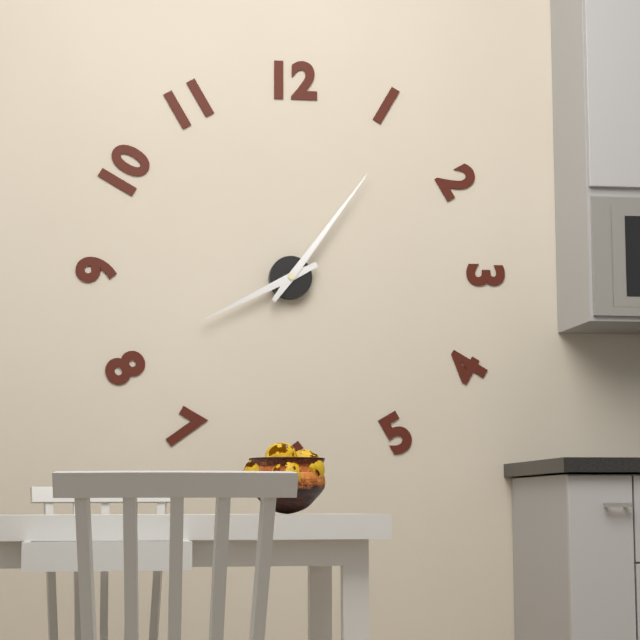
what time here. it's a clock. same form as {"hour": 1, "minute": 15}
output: {"hour": 8, "minute": 6}
